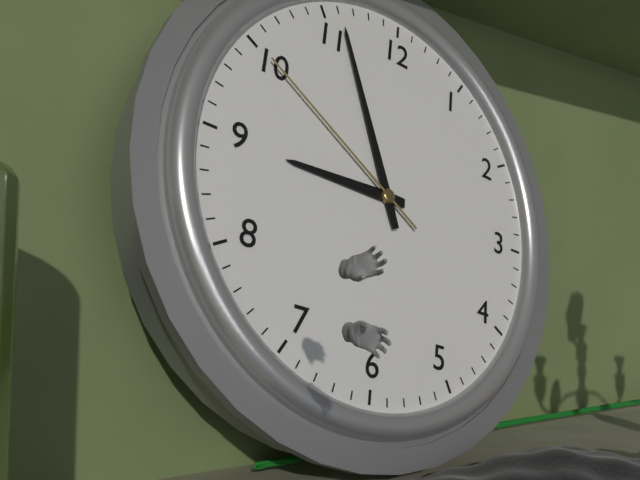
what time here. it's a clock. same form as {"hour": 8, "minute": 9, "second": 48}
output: {"hour": 8, "minute": 56, "second": 50}
